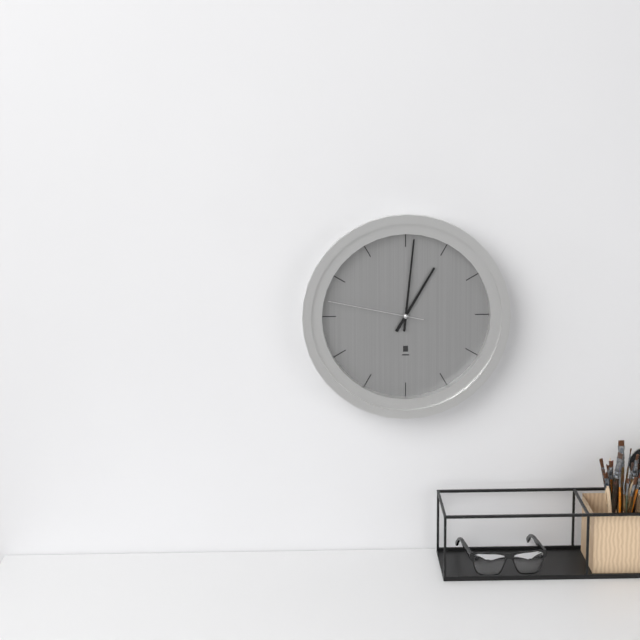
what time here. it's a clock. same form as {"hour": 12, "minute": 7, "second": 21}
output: {"hour": 1, "minute": 1, "second": 47}
